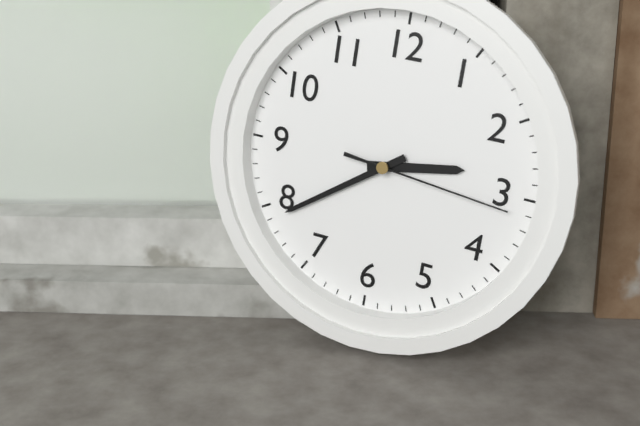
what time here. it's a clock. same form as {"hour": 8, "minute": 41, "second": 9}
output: {"hour": 2, "minute": 39, "second": 16}
